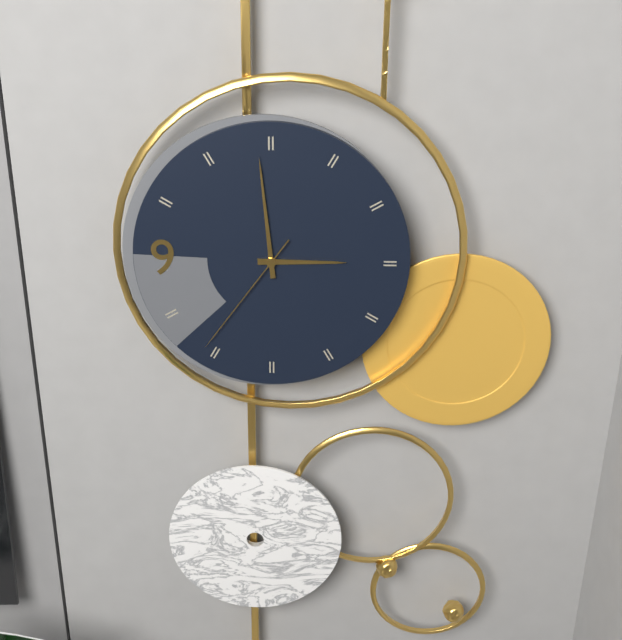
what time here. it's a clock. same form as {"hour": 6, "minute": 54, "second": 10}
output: {"hour": 2, "minute": 59, "second": 36}
